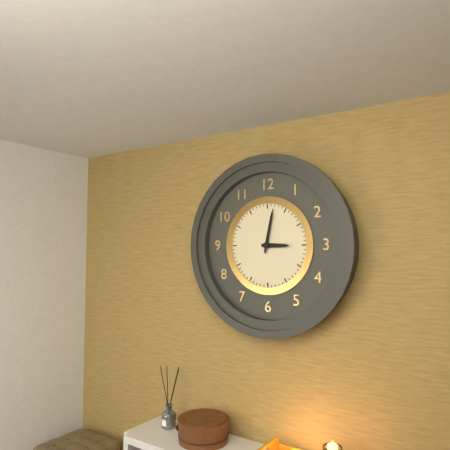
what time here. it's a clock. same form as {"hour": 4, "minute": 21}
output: {"hour": 3, "minute": 2}
